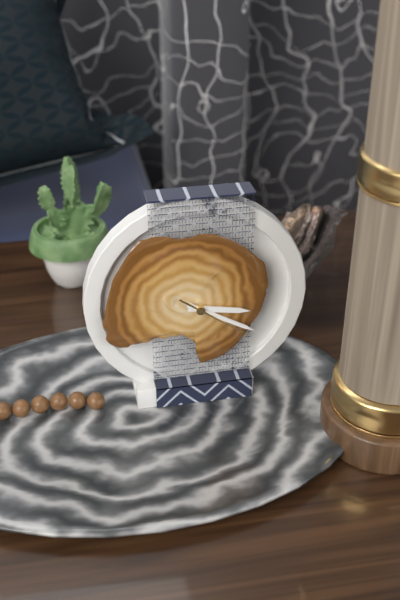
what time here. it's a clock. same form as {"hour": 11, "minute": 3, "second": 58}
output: {"hour": 3, "minute": 20, "second": 21}
